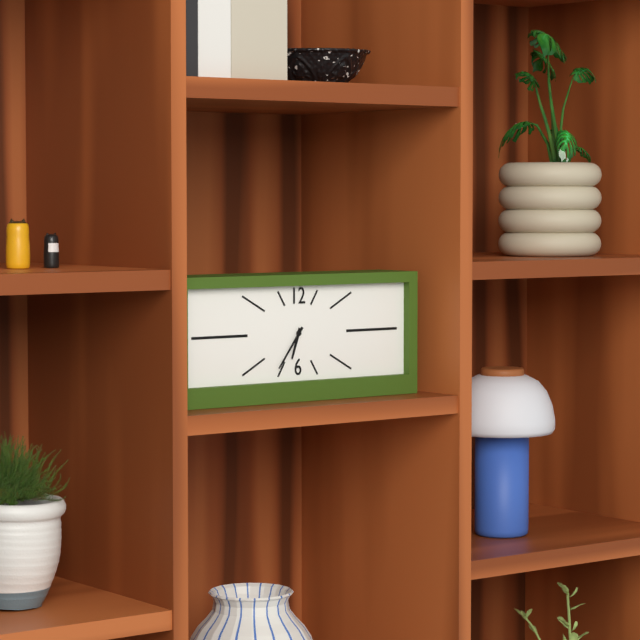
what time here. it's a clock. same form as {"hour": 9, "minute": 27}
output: {"hour": 6, "minute": 36}
